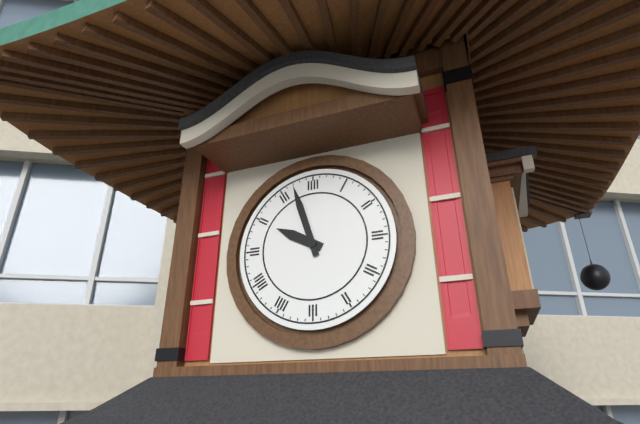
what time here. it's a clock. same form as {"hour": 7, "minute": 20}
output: {"hour": 9, "minute": 57}
